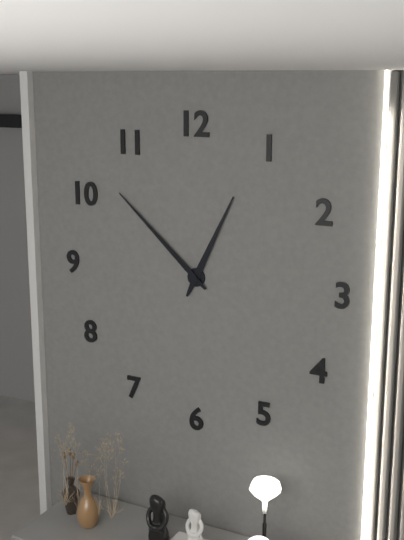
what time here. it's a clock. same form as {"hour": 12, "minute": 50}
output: {"hour": 12, "minute": 52}
